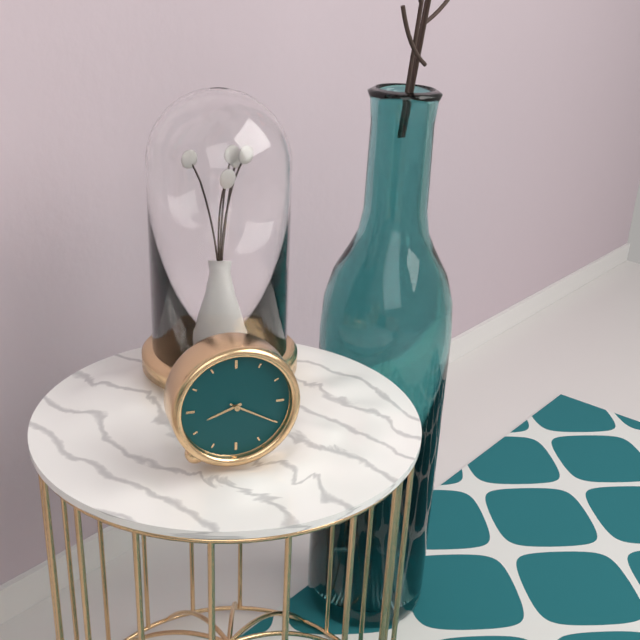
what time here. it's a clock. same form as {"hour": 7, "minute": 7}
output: {"hour": 8, "minute": 20}
